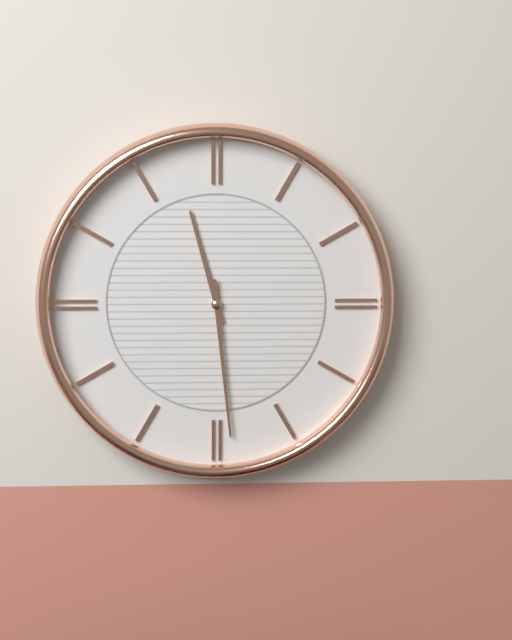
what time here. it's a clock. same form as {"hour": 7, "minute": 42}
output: {"hour": 11, "minute": 29}
